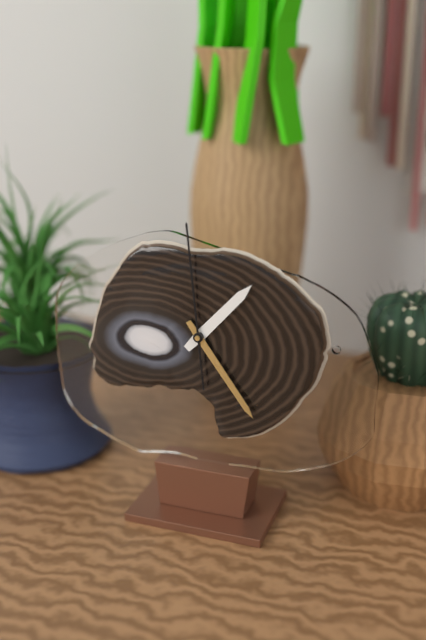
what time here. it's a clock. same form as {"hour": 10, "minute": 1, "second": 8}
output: {"hour": 1, "minute": 24, "second": 59}
